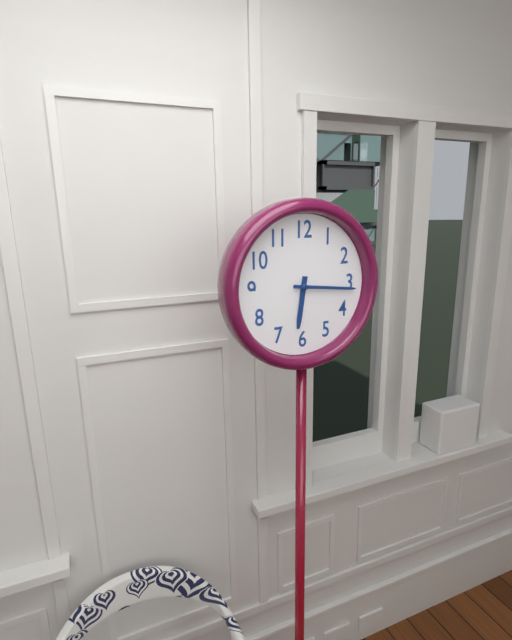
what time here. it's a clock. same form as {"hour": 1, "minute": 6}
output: {"hour": 6, "minute": 16}
